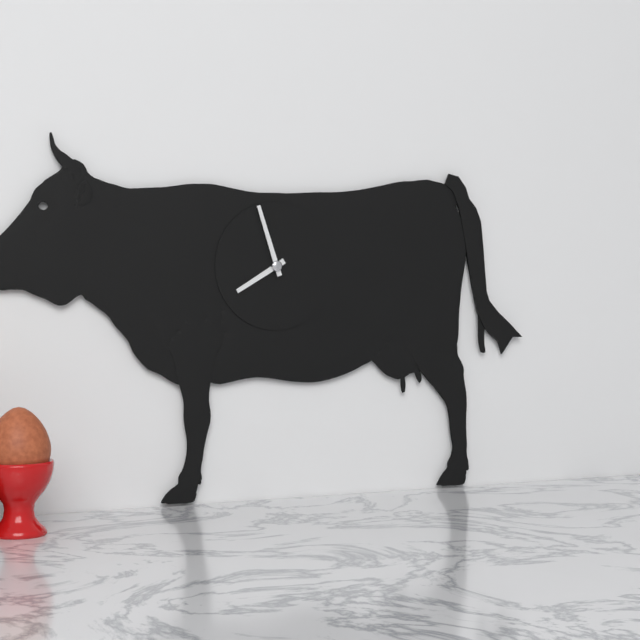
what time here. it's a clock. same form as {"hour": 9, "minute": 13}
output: {"hour": 7, "minute": 57}
